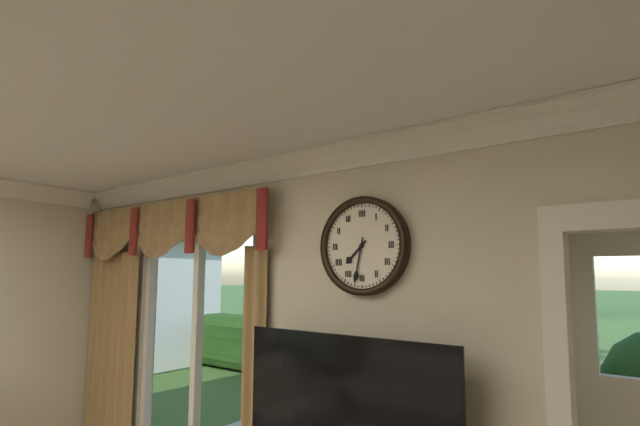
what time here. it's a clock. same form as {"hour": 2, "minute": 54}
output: {"hour": 7, "minute": 32}
